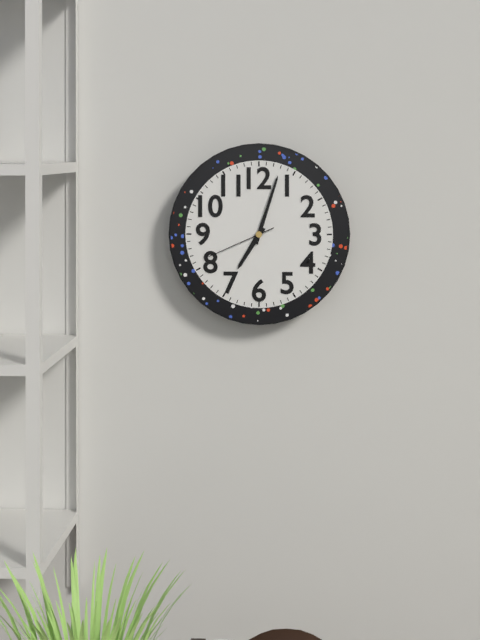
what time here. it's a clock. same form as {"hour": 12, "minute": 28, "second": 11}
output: {"hour": 7, "minute": 3, "second": 41}
